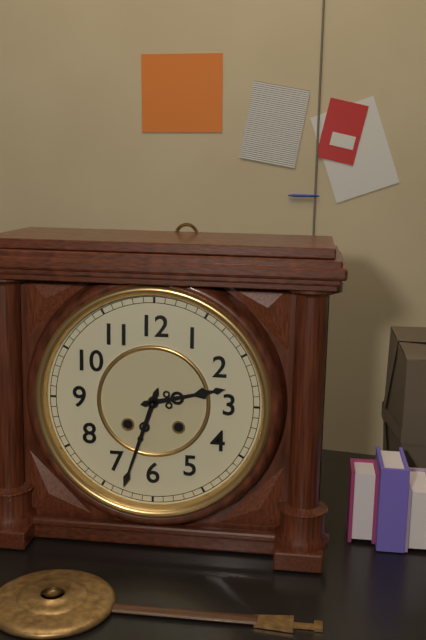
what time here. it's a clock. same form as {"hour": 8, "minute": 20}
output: {"hour": 2, "minute": 33}
